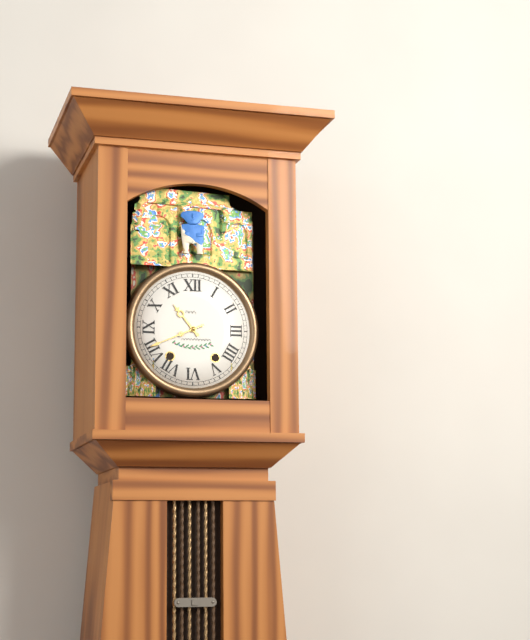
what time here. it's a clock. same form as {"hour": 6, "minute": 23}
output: {"hour": 10, "minute": 41}
